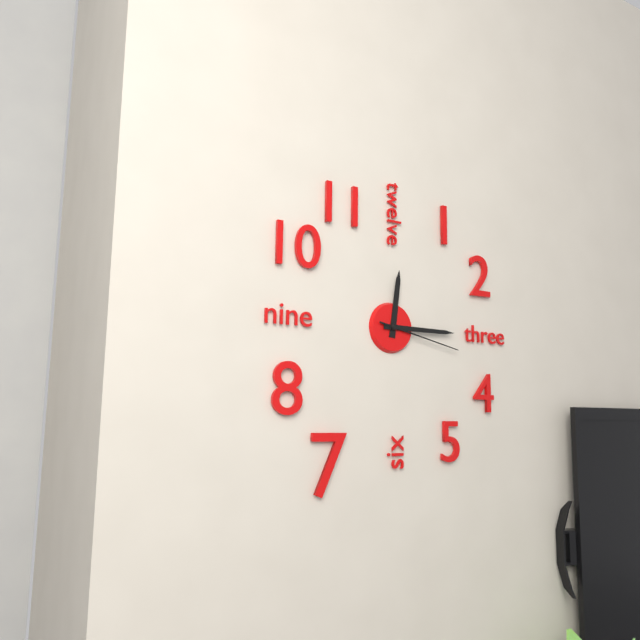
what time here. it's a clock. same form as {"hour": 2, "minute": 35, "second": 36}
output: {"hour": 12, "minute": 15, "second": 17}
